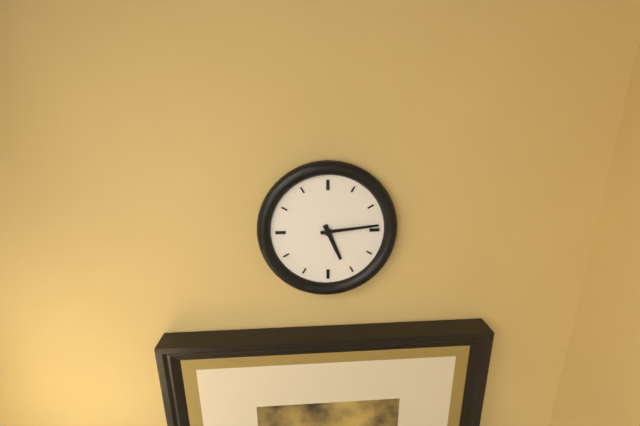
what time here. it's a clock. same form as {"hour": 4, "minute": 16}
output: {"hour": 5, "minute": 14}
